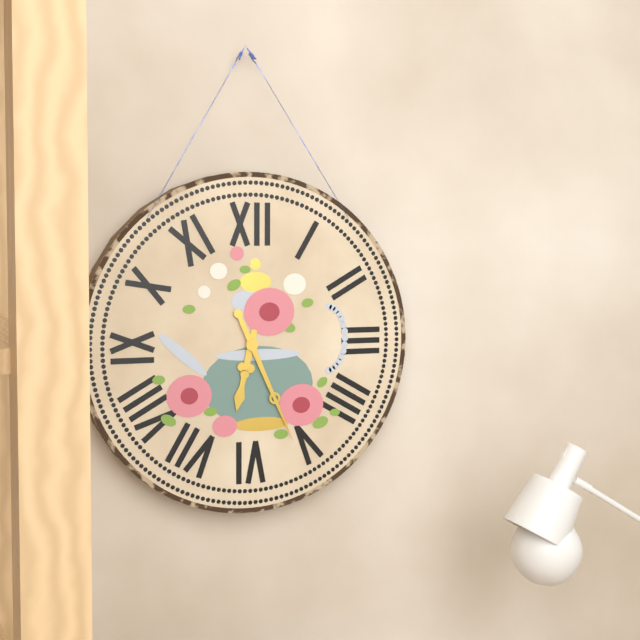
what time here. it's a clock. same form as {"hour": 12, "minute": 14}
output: {"hour": 6, "minute": 26}
